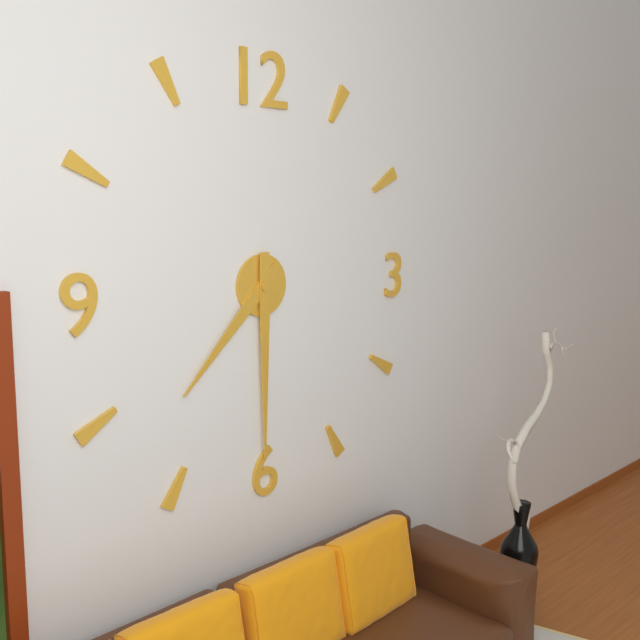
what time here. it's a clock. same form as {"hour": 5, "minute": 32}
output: {"hour": 7, "minute": 30}
